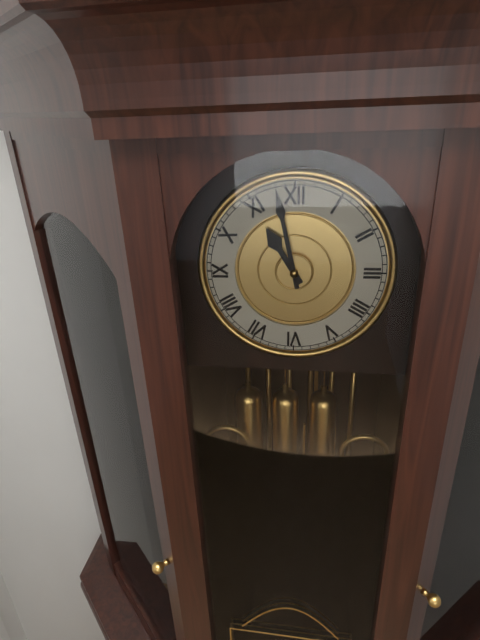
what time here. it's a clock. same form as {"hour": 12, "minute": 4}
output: {"hour": 10, "minute": 58}
